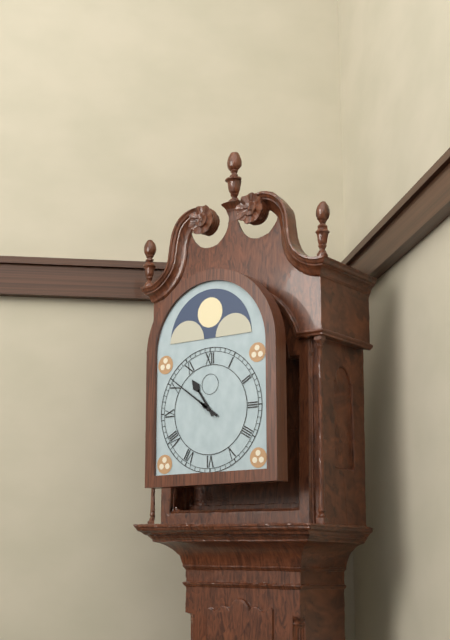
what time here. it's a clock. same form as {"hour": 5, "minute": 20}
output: {"hour": 10, "minute": 51}
